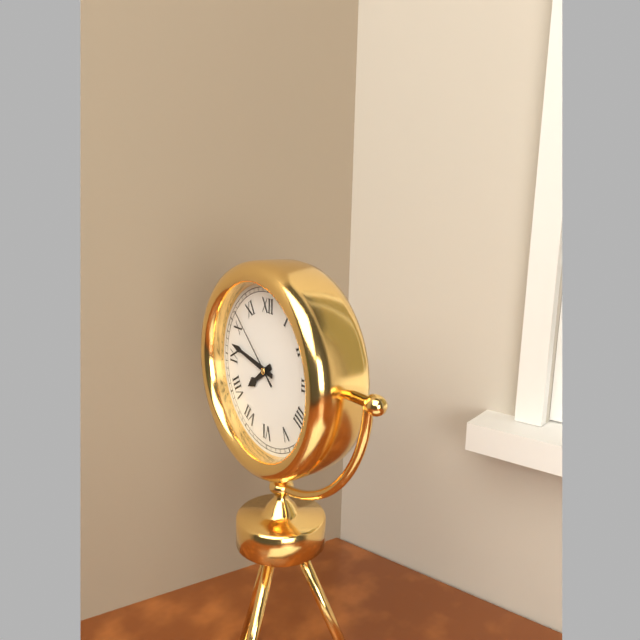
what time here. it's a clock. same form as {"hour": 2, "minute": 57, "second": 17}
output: {"hour": 7, "minute": 47, "second": 52}
